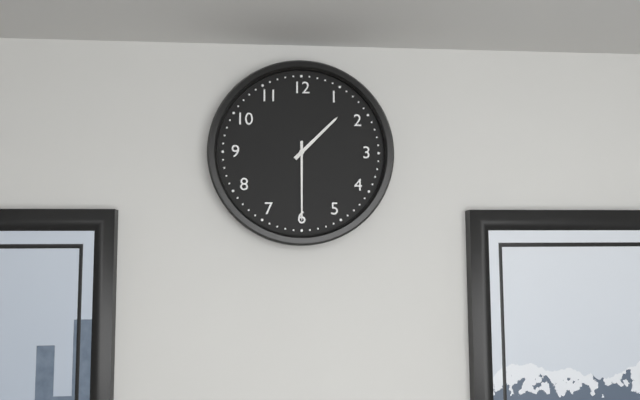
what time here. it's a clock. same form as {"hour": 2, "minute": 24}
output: {"hour": 1, "minute": 30}
